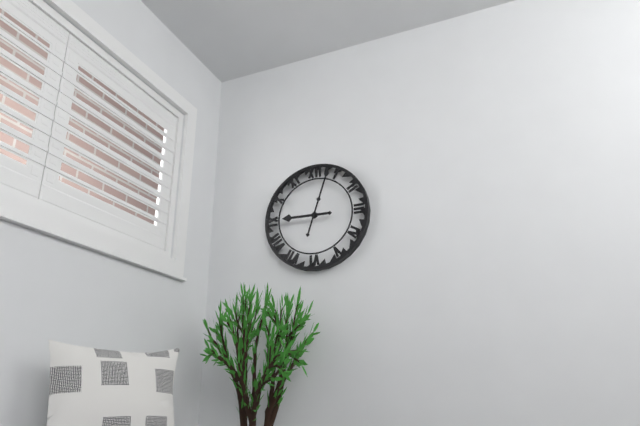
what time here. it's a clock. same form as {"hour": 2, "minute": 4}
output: {"hour": 9, "minute": 3}
